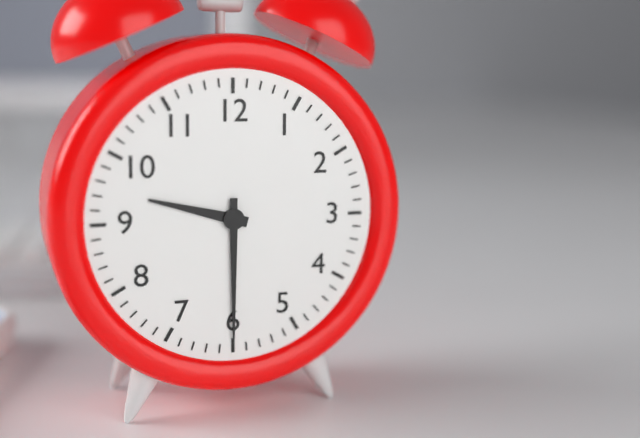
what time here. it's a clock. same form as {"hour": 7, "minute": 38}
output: {"hour": 9, "minute": 30}
